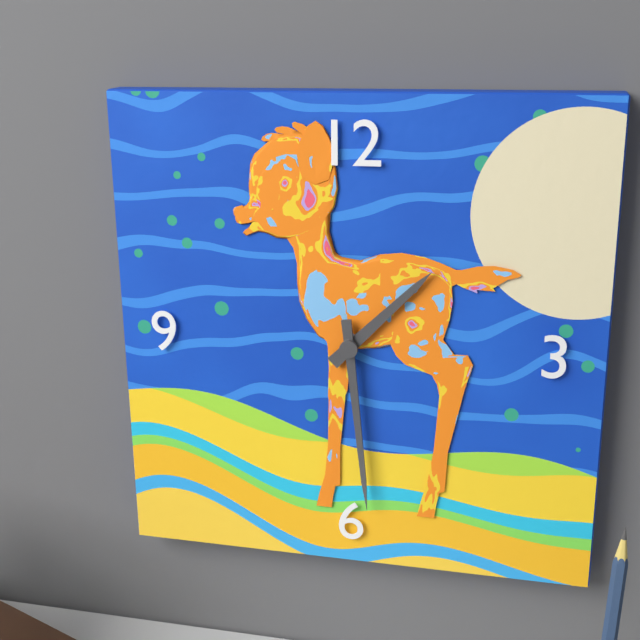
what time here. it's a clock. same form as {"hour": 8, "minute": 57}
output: {"hour": 1, "minute": 29}
